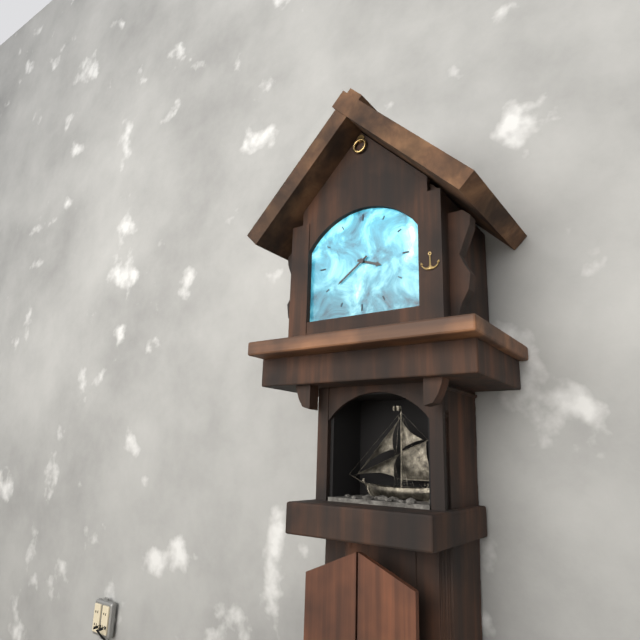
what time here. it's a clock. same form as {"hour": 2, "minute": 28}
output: {"hour": 3, "minute": 39}
